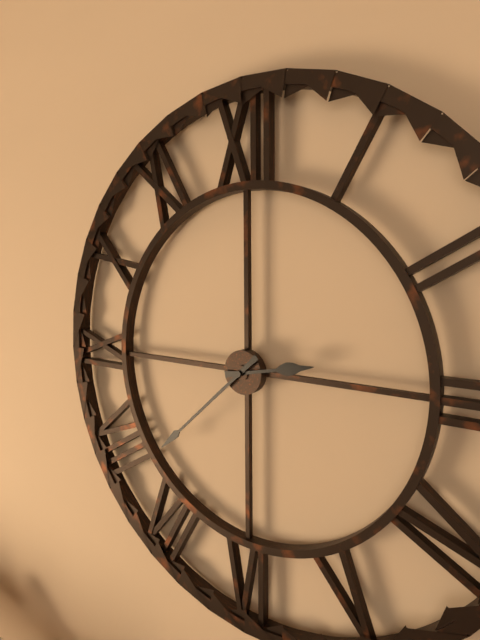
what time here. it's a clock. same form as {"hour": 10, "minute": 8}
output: {"hour": 2, "minute": 38}
